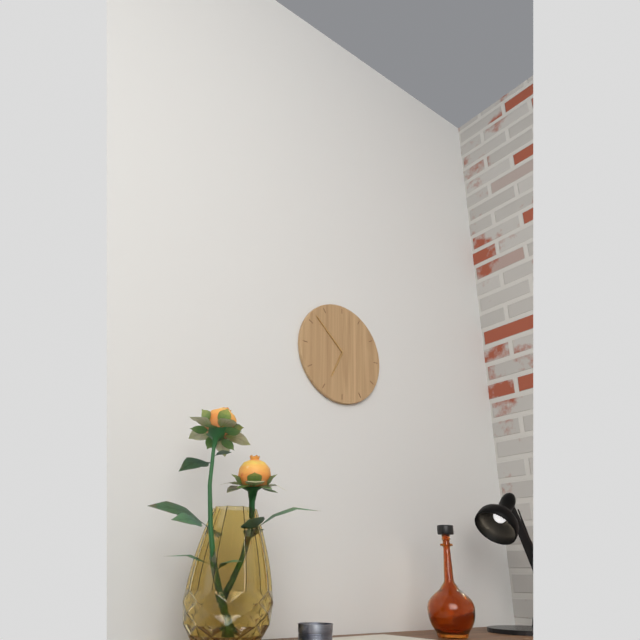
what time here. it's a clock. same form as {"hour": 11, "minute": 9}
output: {"hour": 6, "minute": 52}
